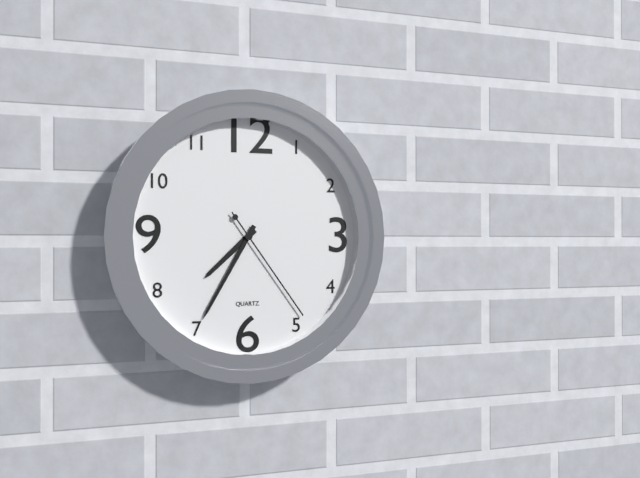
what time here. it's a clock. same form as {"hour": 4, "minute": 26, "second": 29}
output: {"hour": 7, "minute": 35, "second": 24}
